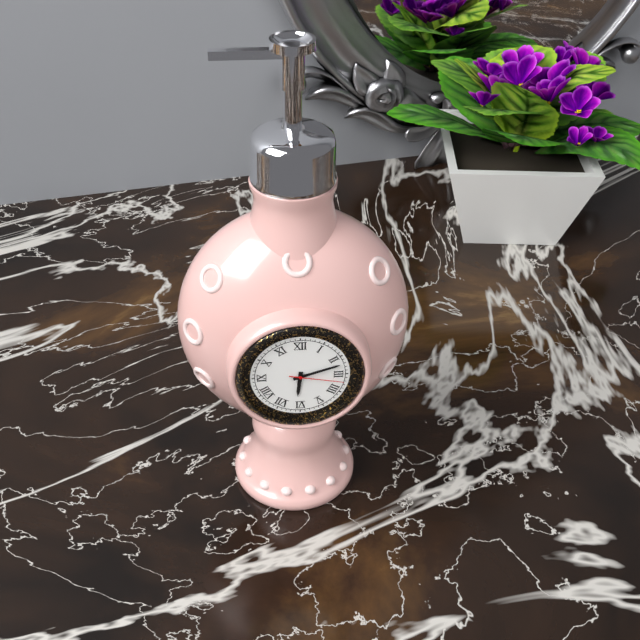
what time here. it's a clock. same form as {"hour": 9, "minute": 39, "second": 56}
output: {"hour": 6, "minute": 12, "second": 17}
